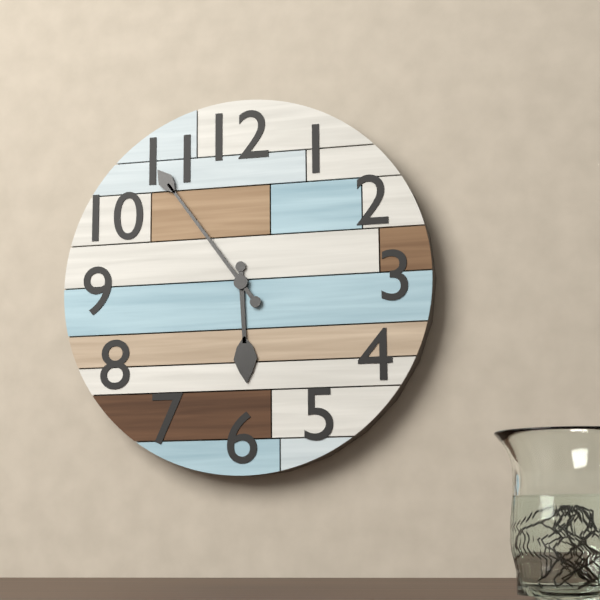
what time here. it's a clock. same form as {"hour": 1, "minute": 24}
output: {"hour": 5, "minute": 54}
